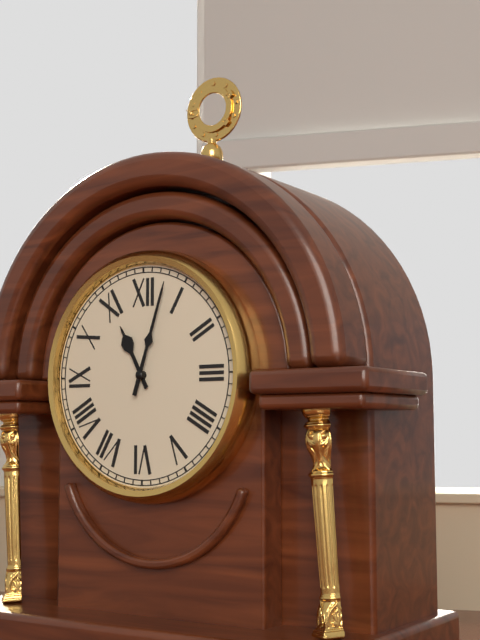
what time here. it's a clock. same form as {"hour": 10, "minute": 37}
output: {"hour": 11, "minute": 3}
